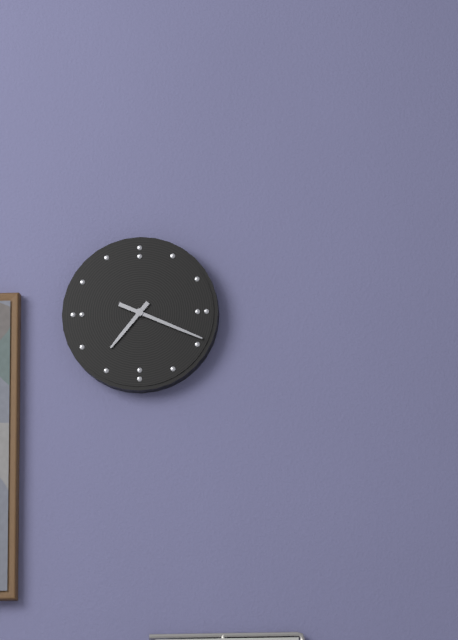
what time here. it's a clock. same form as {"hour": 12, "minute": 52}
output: {"hour": 7, "minute": 19}
